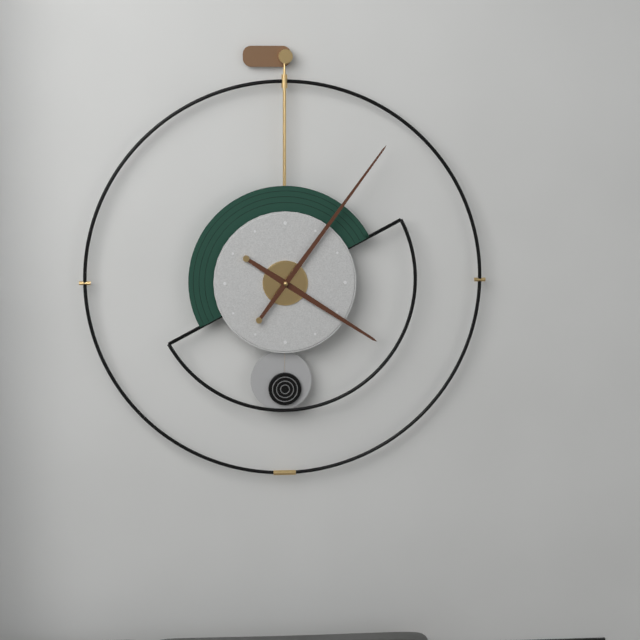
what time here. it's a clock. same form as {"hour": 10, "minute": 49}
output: {"hour": 4, "minute": 6}
